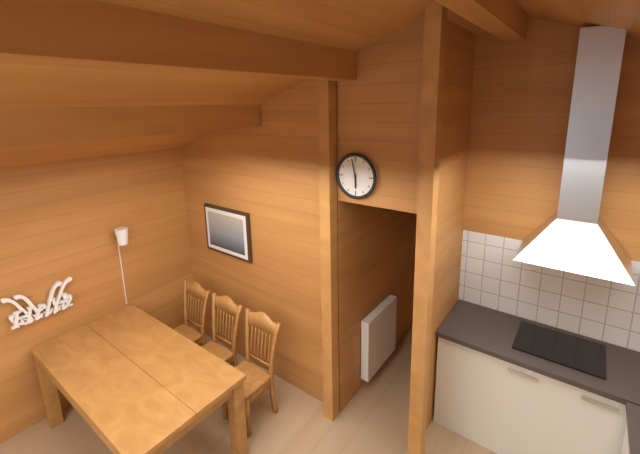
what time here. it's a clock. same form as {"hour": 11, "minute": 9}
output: {"hour": 5, "minute": 58}
